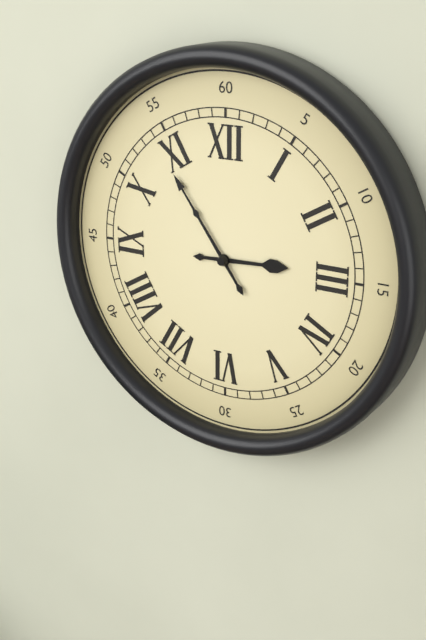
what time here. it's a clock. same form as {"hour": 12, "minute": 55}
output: {"hour": 2, "minute": 54}
